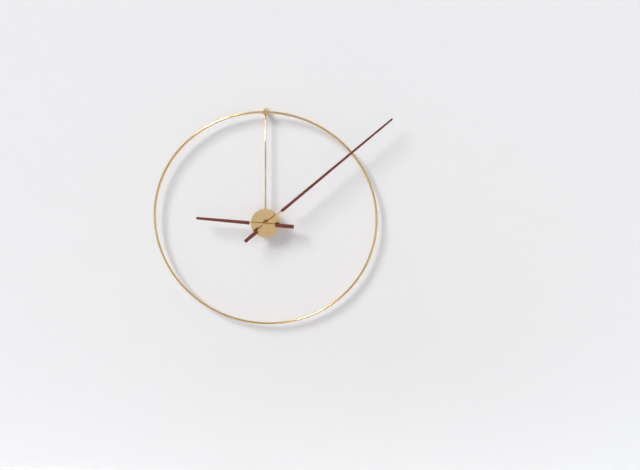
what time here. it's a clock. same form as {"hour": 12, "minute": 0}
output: {"hour": 9, "minute": 8}
